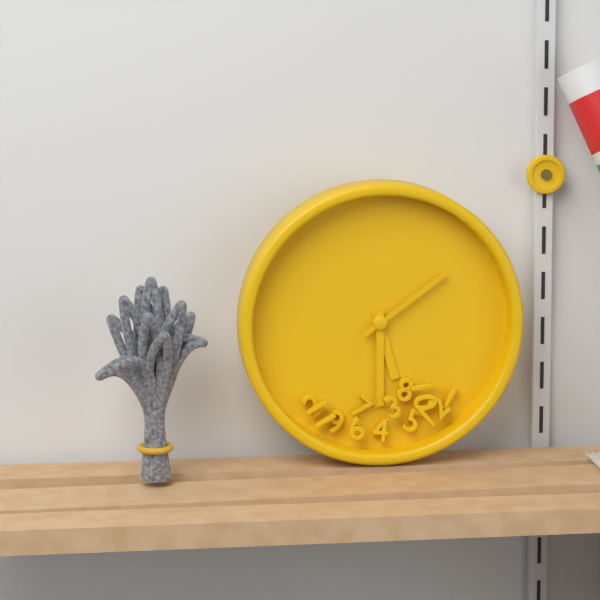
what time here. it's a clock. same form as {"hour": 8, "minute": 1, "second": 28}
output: {"hour": 5, "minute": 30, "second": 9}
